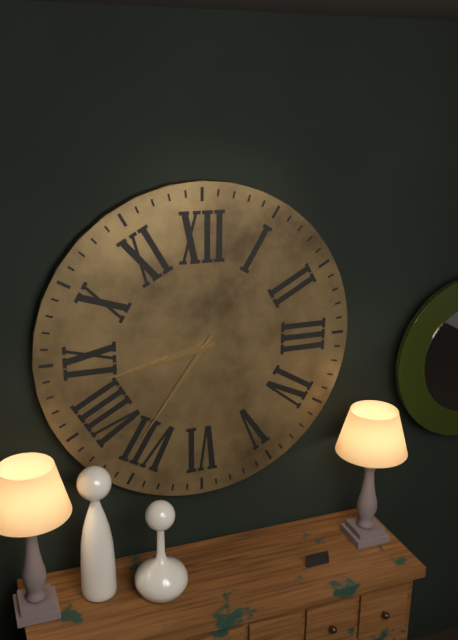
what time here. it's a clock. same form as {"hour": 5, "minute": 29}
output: {"hour": 8, "minute": 36}
